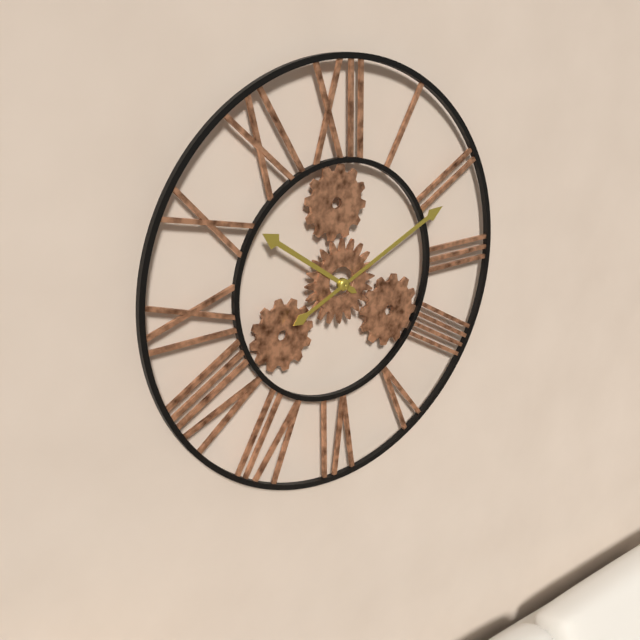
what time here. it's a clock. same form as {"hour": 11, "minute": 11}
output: {"hour": 10, "minute": 11}
